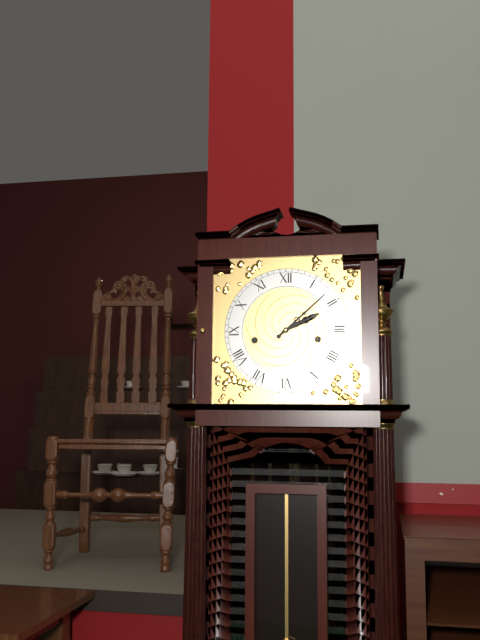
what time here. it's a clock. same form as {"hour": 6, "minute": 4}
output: {"hour": 2, "minute": 8}
